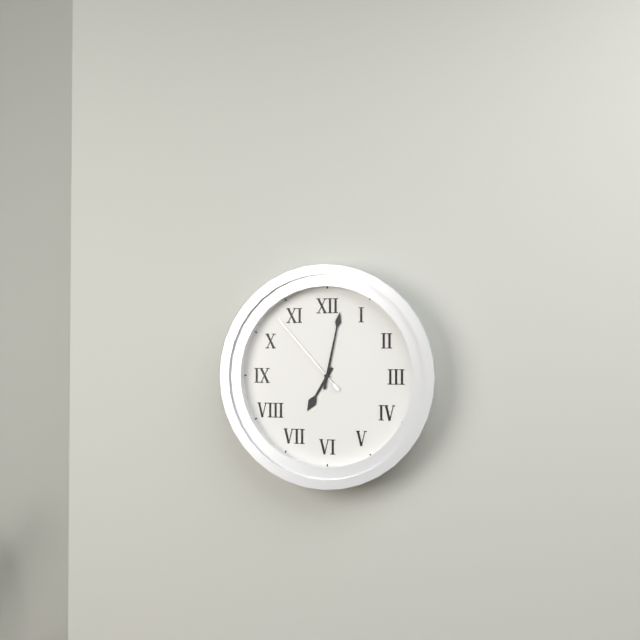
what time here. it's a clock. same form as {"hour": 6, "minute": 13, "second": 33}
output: {"hour": 7, "minute": 2, "second": 53}
